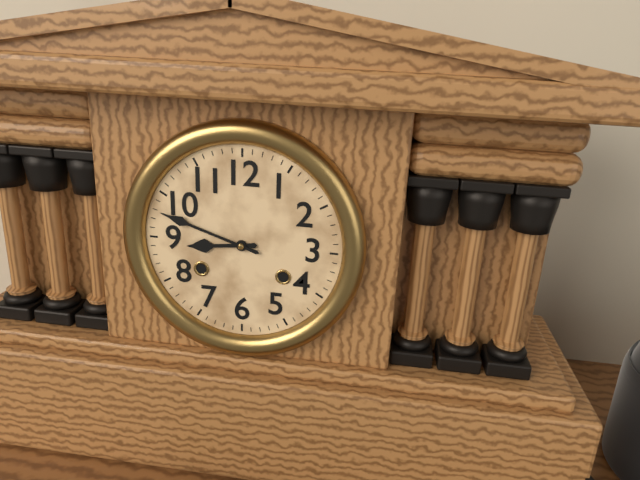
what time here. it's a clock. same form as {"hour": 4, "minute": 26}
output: {"hour": 8, "minute": 48}
